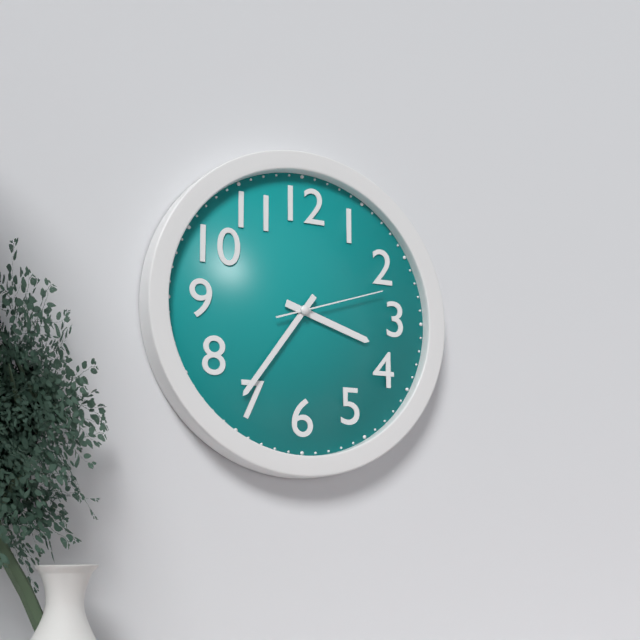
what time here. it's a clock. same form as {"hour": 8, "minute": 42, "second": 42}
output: {"hour": 3, "minute": 36, "second": 12}
